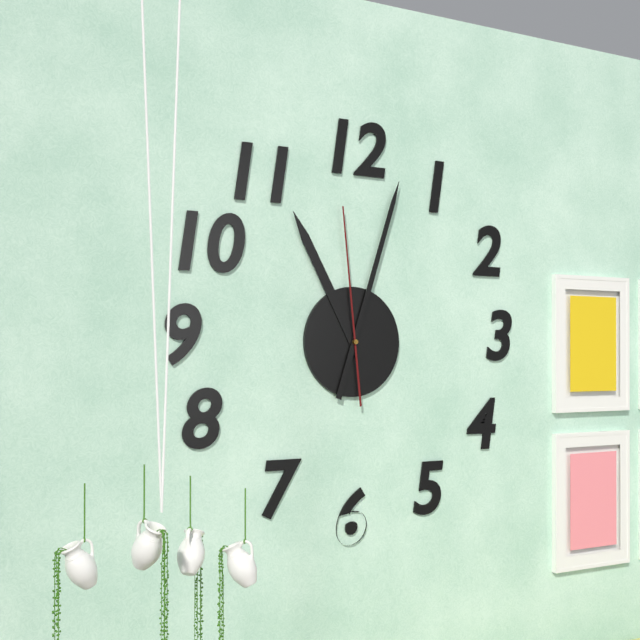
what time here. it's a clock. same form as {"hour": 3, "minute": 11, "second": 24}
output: {"hour": 11, "minute": 3, "second": 59}
